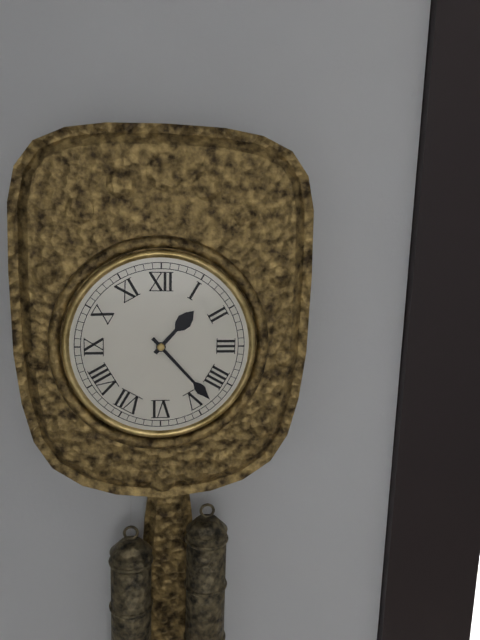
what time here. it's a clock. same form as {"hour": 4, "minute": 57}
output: {"hour": 1, "minute": 23}
